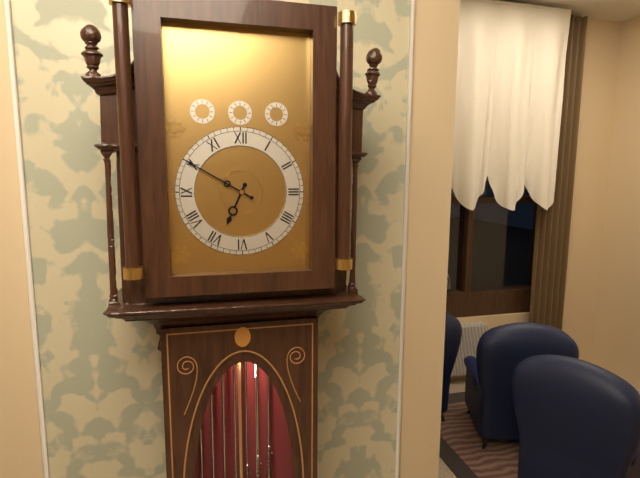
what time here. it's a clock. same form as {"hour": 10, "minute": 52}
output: {"hour": 6, "minute": 50}
